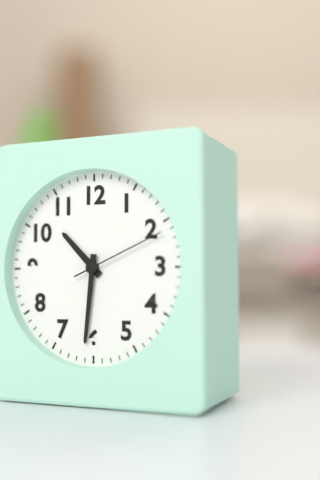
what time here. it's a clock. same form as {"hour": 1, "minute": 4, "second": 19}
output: {"hour": 10, "minute": 31, "second": 11}
